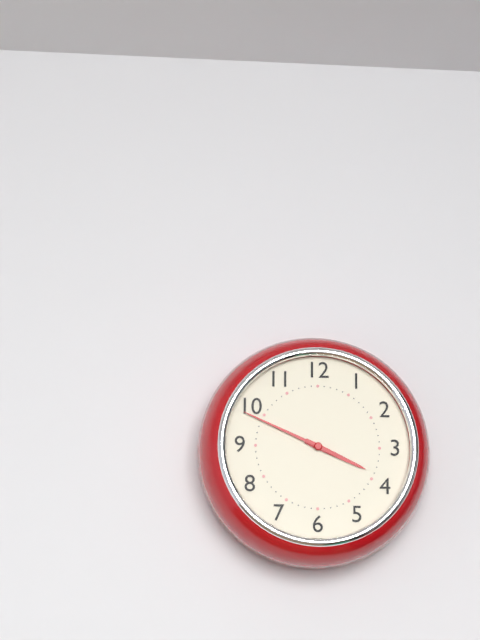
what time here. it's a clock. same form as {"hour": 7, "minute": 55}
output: {"hour": 3, "minute": 49}
